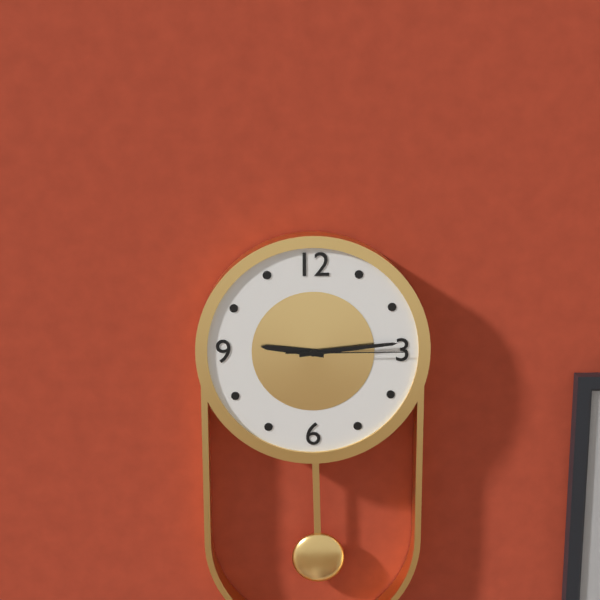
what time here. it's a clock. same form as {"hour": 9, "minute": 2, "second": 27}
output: {"hour": 9, "minute": 14, "second": 15}
